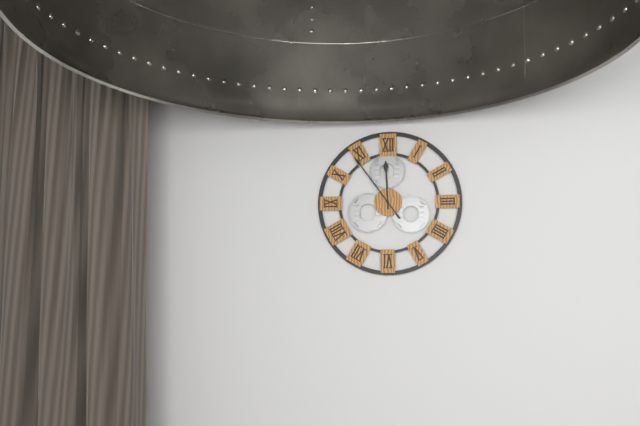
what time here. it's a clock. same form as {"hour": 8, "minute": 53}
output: {"hour": 11, "minute": 54}
